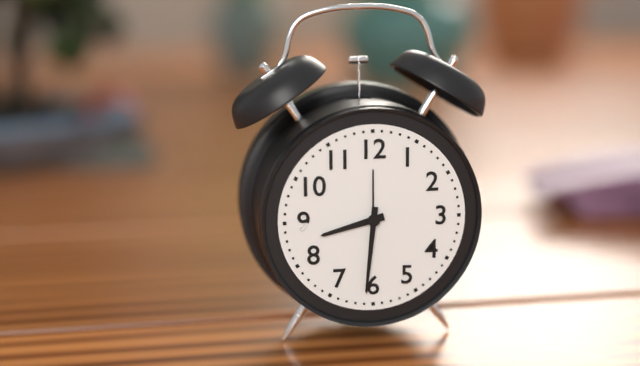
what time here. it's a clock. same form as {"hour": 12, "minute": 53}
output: {"hour": 8, "minute": 31}
